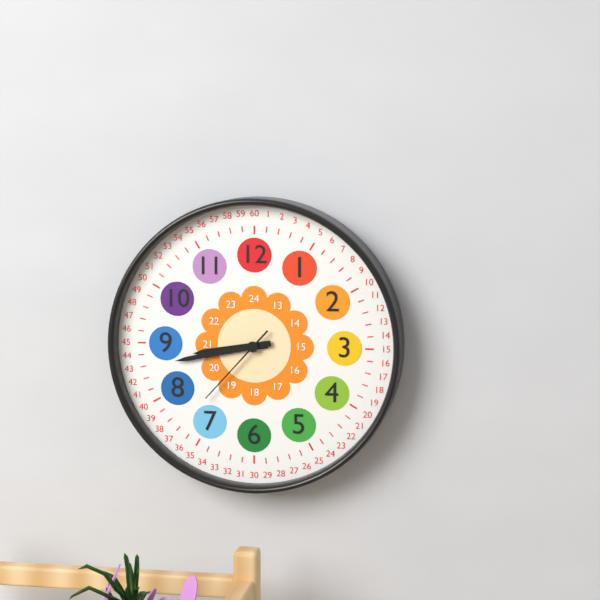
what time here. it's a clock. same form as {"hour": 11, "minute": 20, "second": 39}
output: {"hour": 8, "minute": 43, "second": 37}
